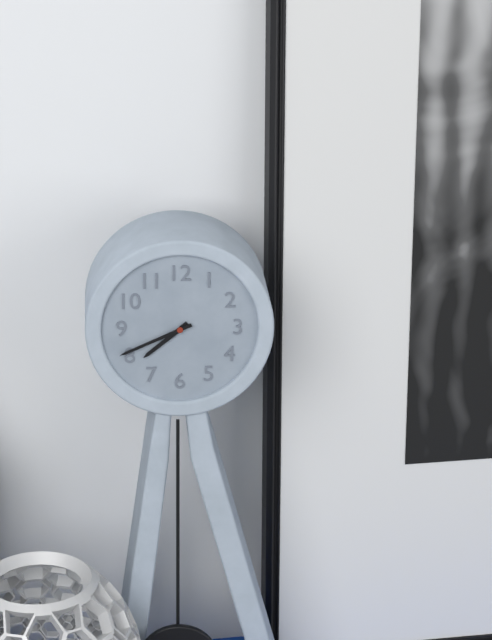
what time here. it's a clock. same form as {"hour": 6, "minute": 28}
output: {"hour": 7, "minute": 41}
